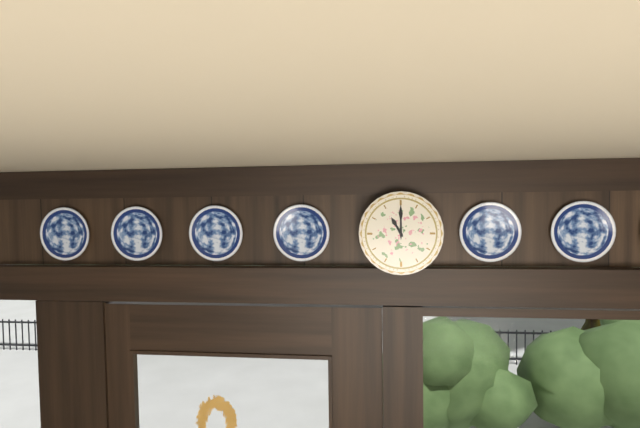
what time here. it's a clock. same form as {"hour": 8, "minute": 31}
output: {"hour": 11, "minute": 0}
